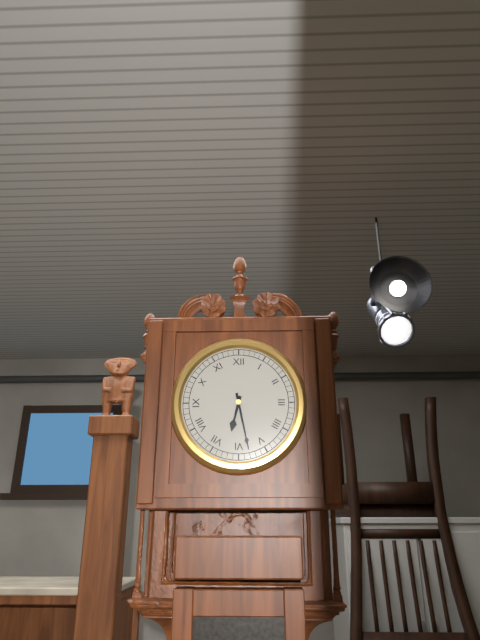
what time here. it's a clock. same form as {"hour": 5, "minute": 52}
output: {"hour": 6, "minute": 28}
